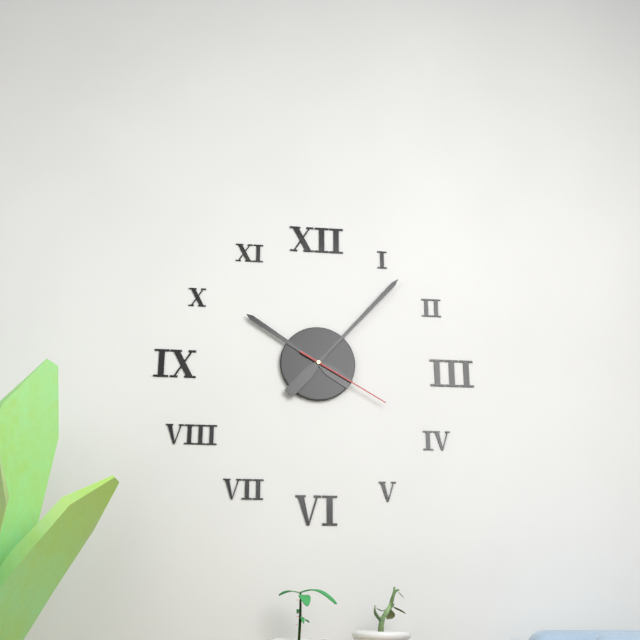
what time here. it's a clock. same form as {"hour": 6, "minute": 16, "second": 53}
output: {"hour": 10, "minute": 7, "second": 20}
